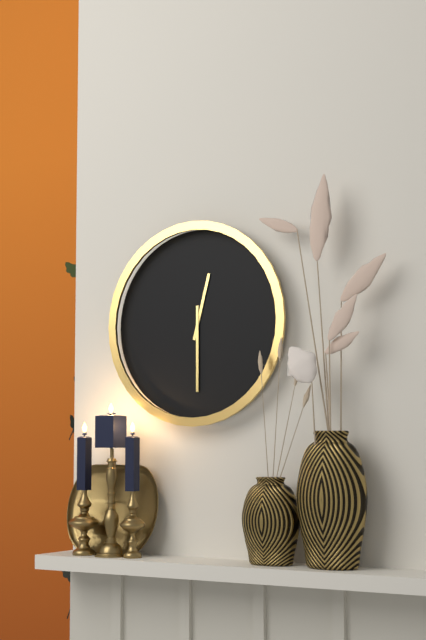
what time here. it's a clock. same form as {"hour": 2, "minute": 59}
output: {"hour": 12, "minute": 30}
